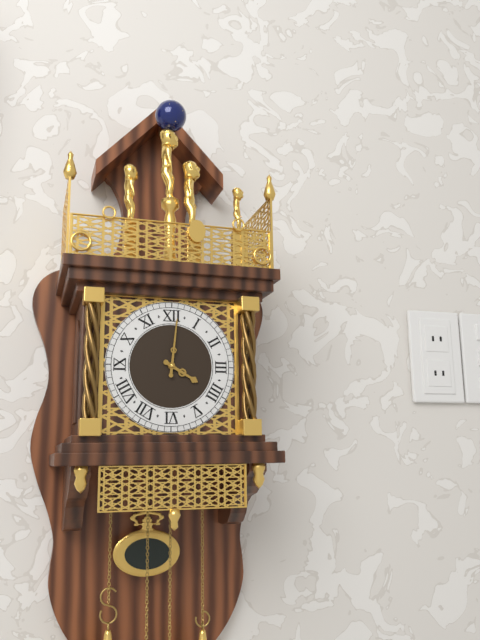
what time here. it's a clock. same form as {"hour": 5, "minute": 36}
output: {"hour": 4, "minute": 1}
